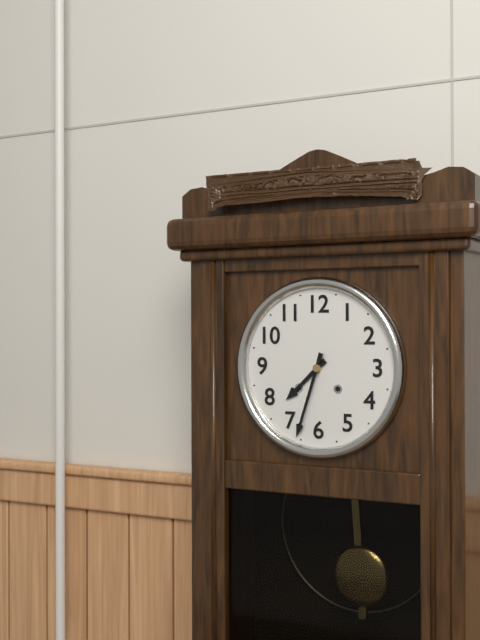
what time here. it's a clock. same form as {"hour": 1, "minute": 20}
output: {"hour": 7, "minute": 33}
